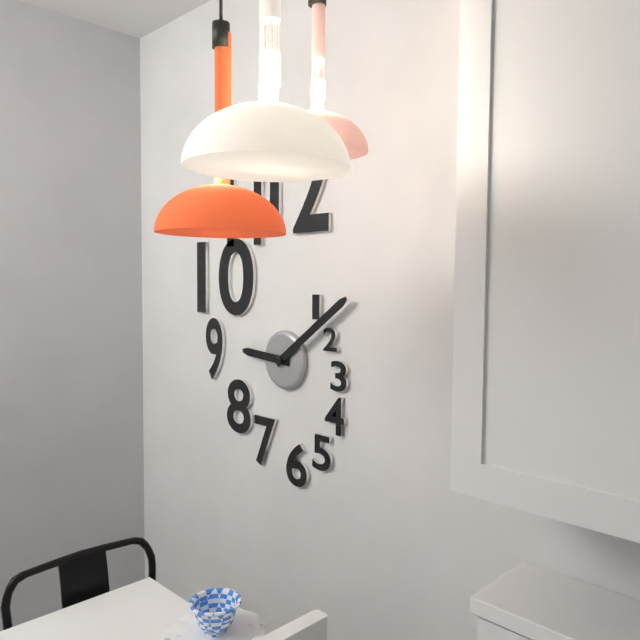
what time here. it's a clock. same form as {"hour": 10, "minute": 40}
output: {"hour": 9, "minute": 9}
